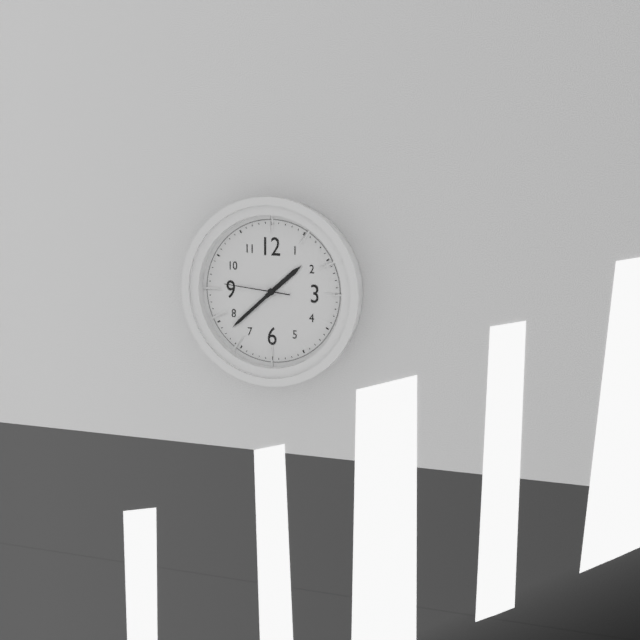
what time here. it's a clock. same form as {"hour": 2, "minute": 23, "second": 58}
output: {"hour": 1, "minute": 38, "second": 46}
